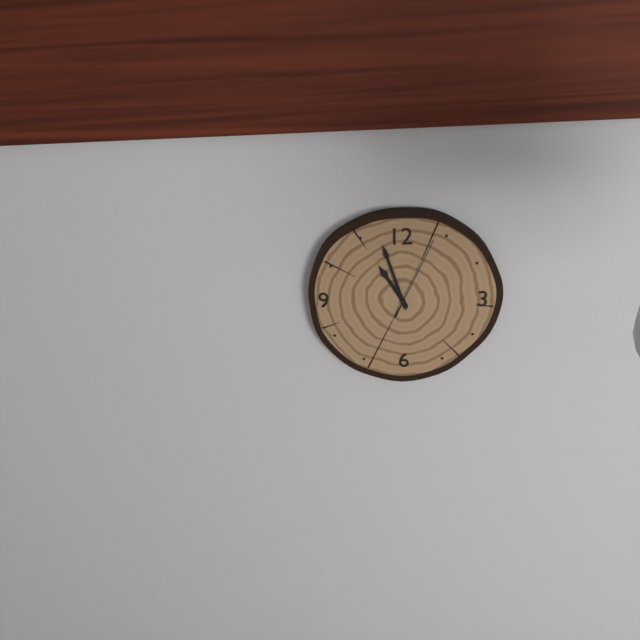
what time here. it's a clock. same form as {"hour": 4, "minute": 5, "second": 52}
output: {"hour": 10, "minute": 57, "second": 4}
